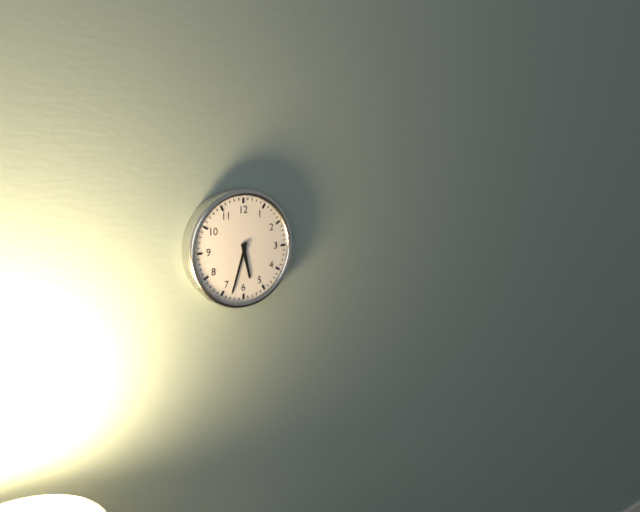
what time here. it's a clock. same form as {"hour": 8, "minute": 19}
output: {"hour": 5, "minute": 33}
